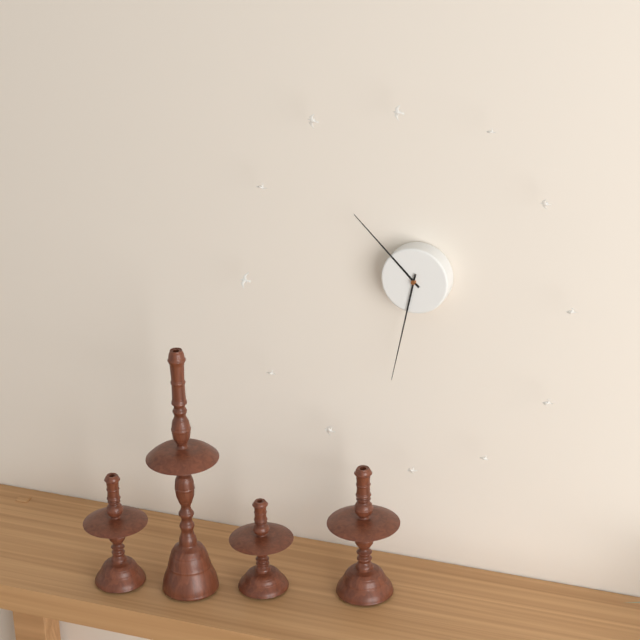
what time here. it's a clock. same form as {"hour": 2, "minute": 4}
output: {"hour": 10, "minute": 32}
